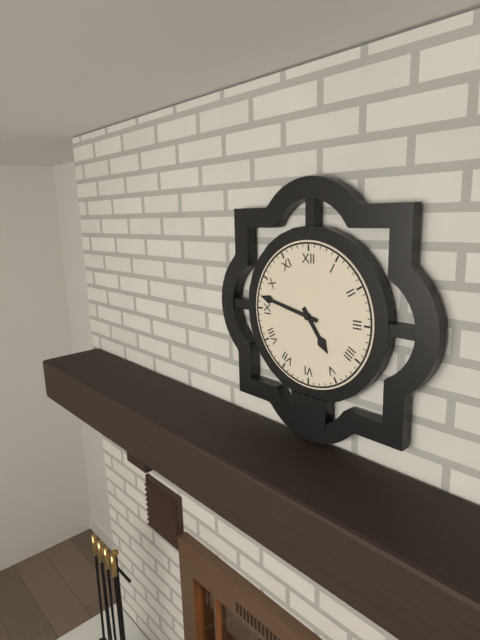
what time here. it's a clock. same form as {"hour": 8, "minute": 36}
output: {"hour": 4, "minute": 47}
